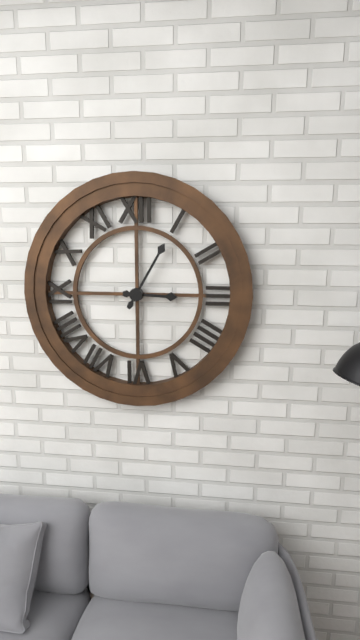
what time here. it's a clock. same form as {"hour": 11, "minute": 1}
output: {"hour": 3, "minute": 5}
